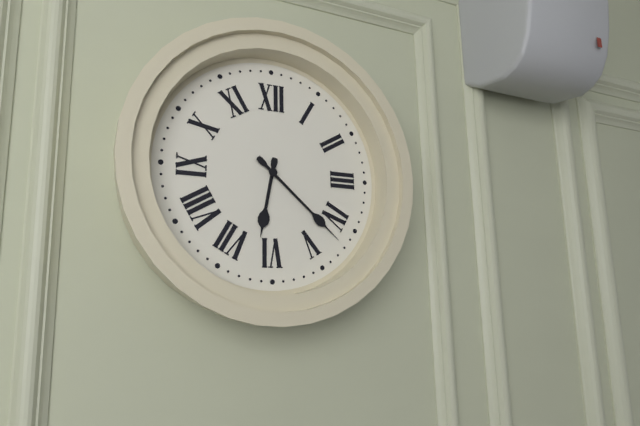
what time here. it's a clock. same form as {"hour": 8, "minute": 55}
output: {"hour": 6, "minute": 22}
